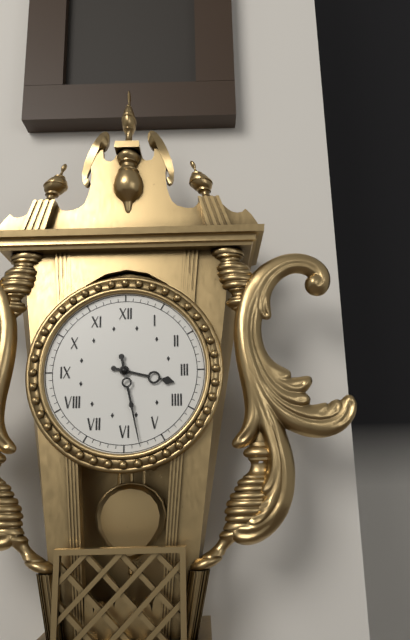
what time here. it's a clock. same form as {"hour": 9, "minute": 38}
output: {"hour": 3, "minute": 28}
